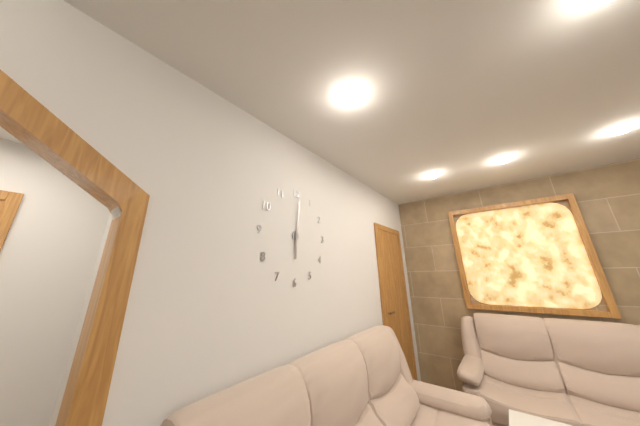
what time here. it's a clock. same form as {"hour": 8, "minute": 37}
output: {"hour": 6, "minute": 1}
